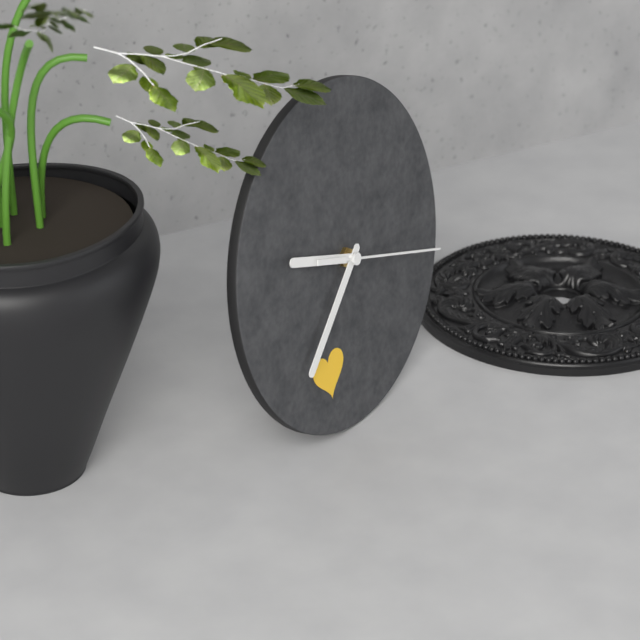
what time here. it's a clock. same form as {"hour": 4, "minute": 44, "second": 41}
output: {"hour": 9, "minute": 38, "second": 18}
